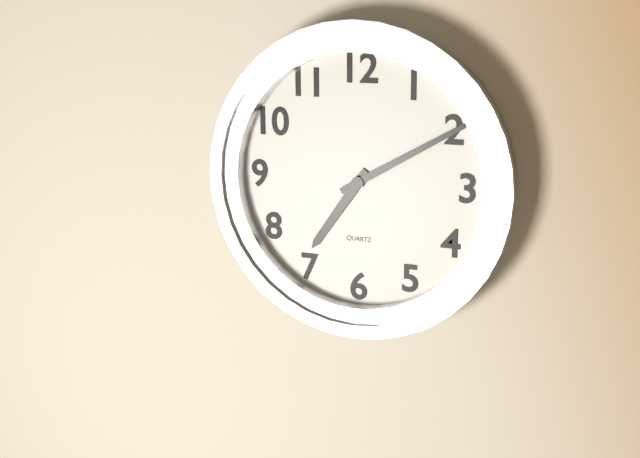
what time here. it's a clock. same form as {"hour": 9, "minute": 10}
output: {"hour": 7, "minute": 10}
